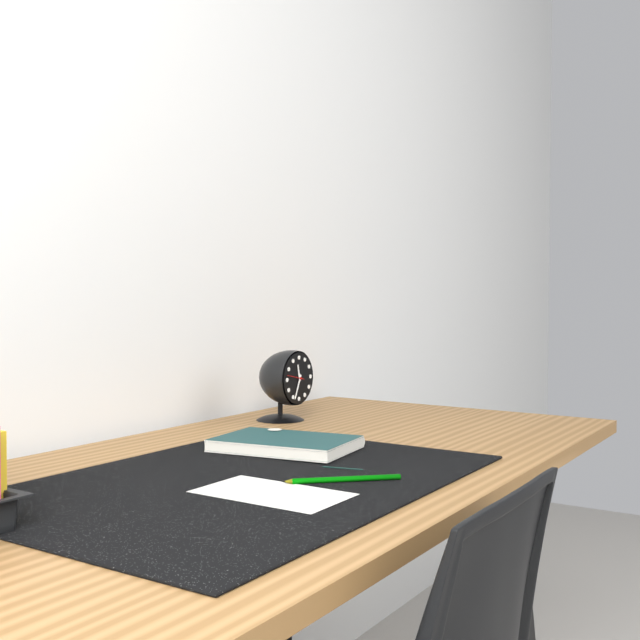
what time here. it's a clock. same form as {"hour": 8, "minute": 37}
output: {"hour": 11, "minute": 34}
